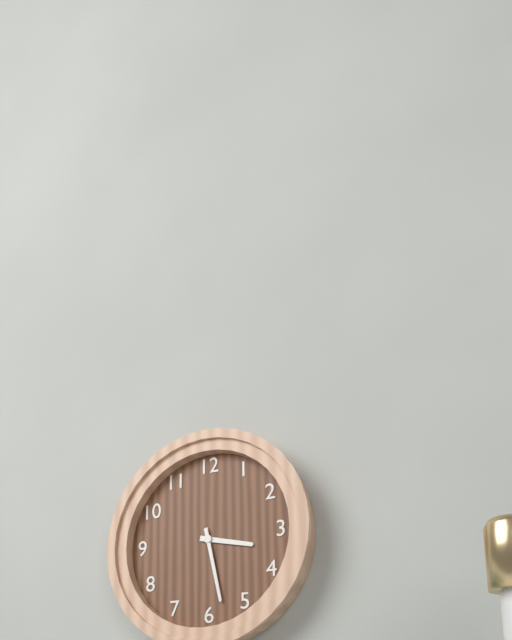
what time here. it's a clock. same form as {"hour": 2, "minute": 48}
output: {"hour": 3, "minute": 28}
